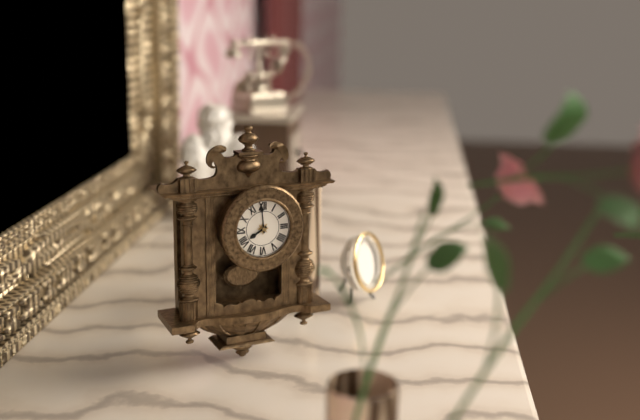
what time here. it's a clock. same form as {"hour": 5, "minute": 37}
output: {"hour": 7, "minute": 59}
